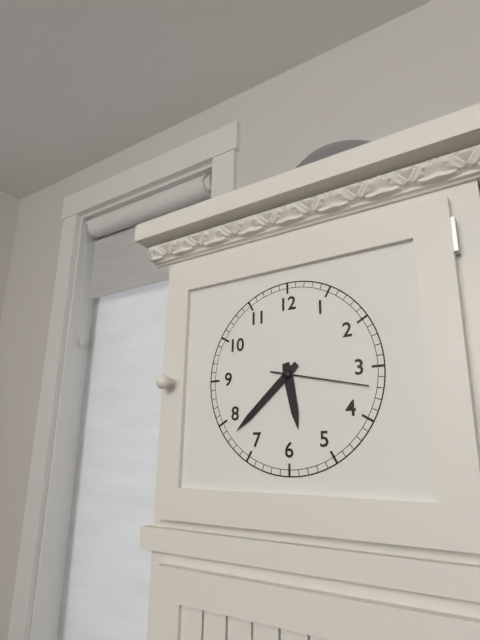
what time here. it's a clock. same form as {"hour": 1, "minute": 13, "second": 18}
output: {"hour": 5, "minute": 38, "second": 17}
